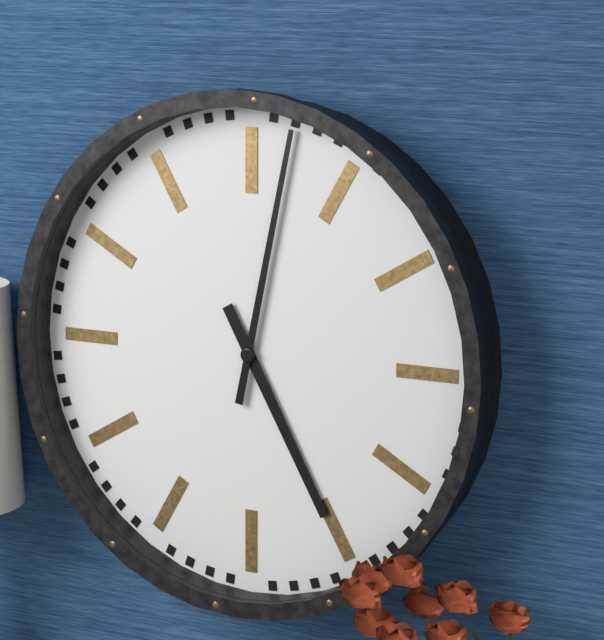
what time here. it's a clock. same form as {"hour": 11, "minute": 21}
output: {"hour": 5, "minute": 2}
